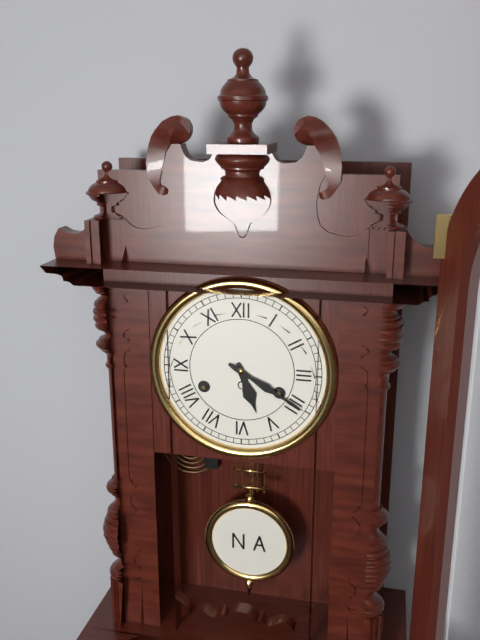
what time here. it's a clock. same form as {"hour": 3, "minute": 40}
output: {"hour": 5, "minute": 20}
